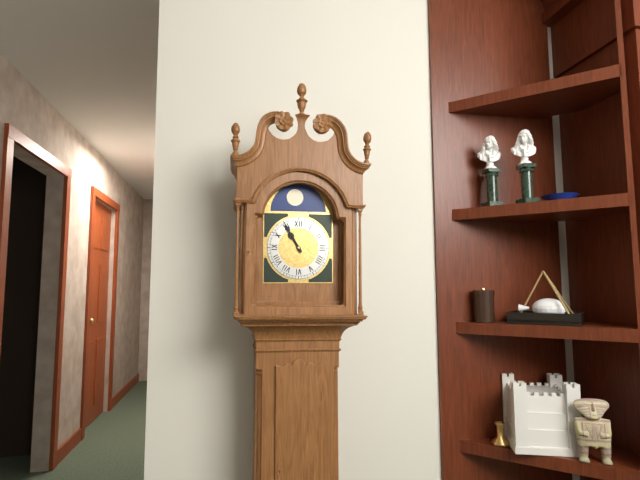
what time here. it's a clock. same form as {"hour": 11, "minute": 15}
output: {"hour": 10, "minute": 55}
